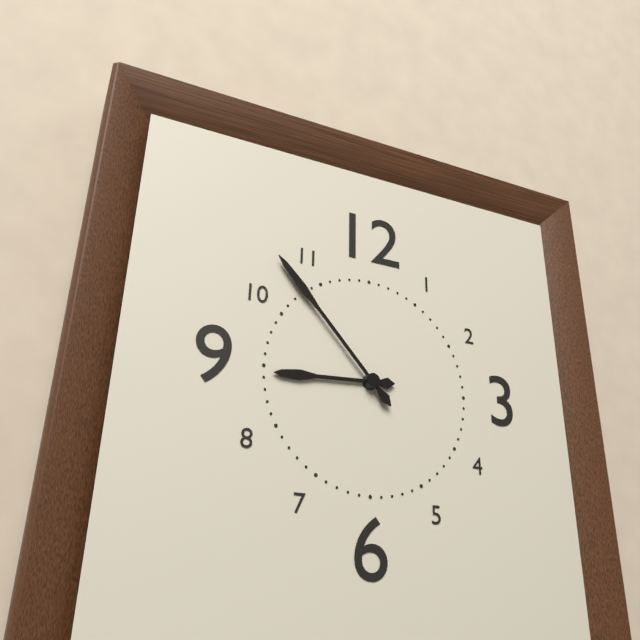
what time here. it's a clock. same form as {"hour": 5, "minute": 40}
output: {"hour": 8, "minute": 53}
